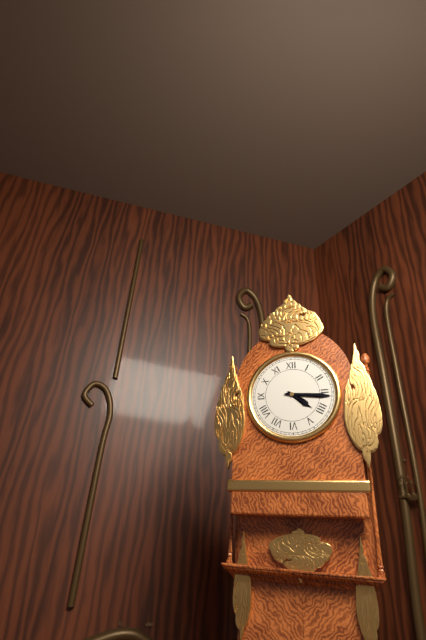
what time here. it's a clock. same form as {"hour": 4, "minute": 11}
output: {"hour": 4, "minute": 16}
